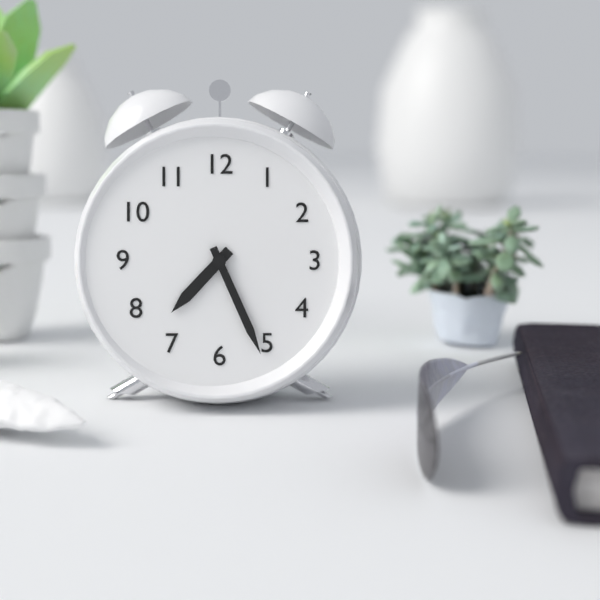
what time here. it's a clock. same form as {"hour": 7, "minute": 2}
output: {"hour": 7, "minute": 26}
